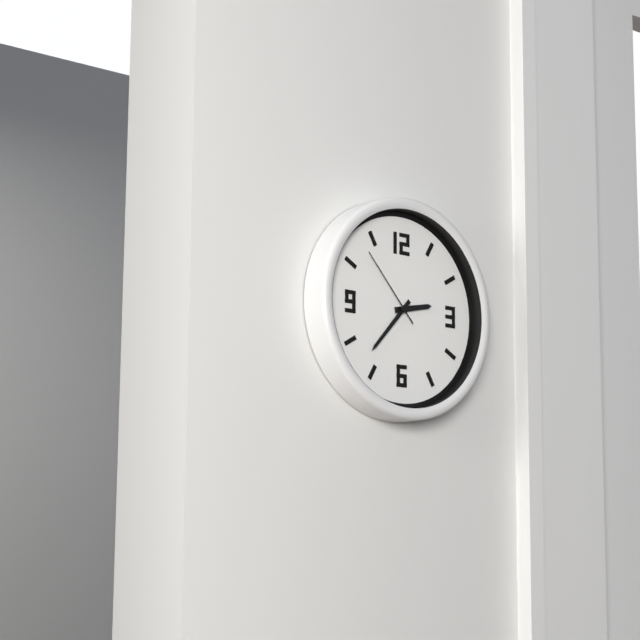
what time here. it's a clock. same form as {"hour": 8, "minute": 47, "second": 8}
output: {"hour": 2, "minute": 37, "second": 53}
